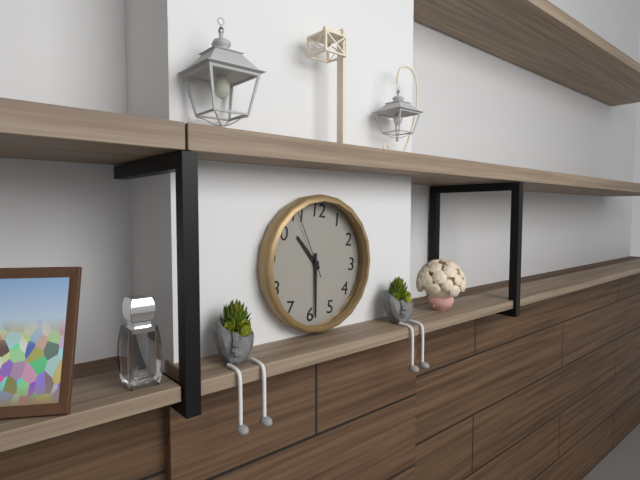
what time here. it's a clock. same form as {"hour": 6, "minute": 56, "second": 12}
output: {"hour": 10, "minute": 29, "second": 55}
